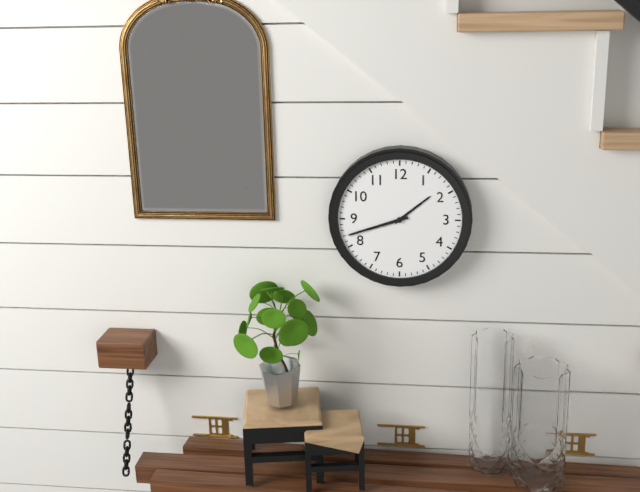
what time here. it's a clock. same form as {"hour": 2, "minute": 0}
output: {"hour": 1, "minute": 42}
